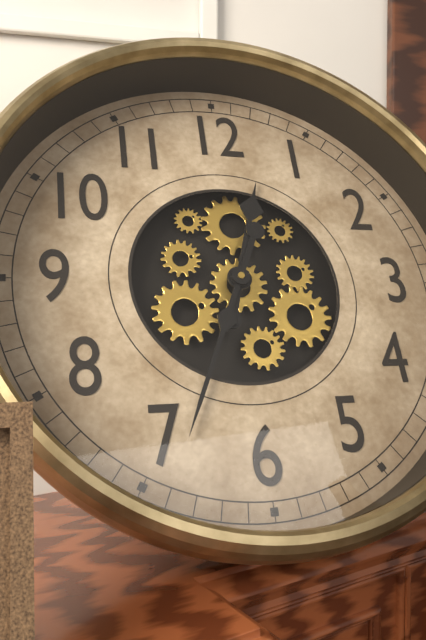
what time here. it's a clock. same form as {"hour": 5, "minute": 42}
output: {"hour": 12, "minute": 34}
